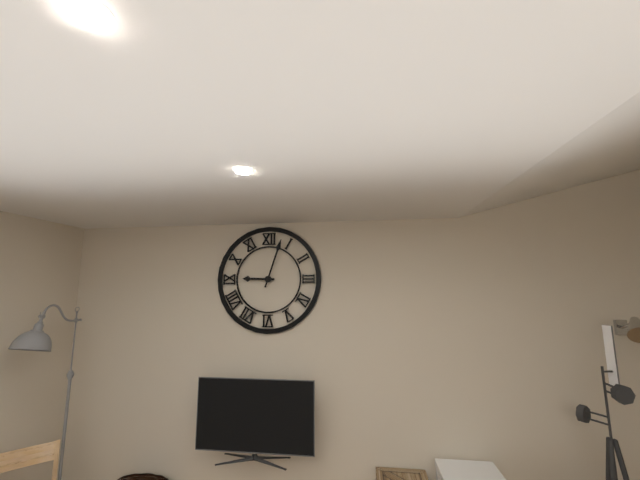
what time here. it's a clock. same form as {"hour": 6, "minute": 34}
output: {"hour": 9, "minute": 3}
